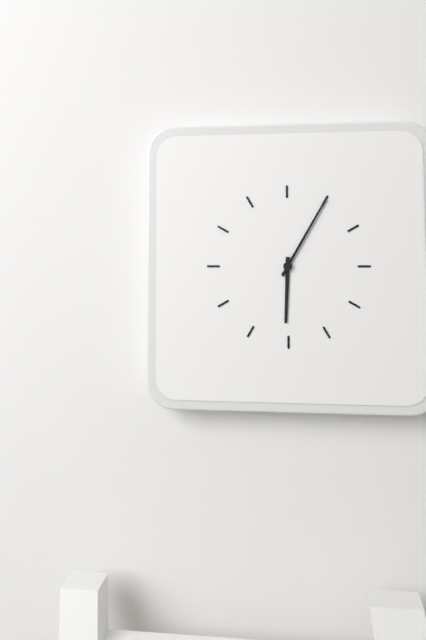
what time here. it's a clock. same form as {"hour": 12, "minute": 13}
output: {"hour": 6, "minute": 5}
